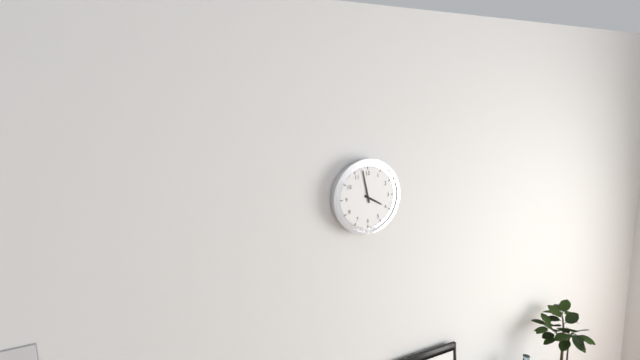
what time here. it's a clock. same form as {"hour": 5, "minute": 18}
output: {"hour": 3, "minute": 58}
